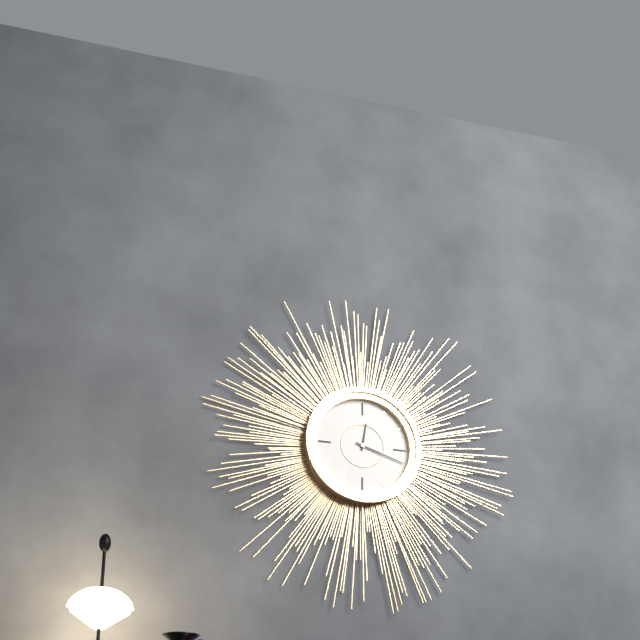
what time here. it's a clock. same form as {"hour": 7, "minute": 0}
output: {"hour": 12, "minute": 18}
